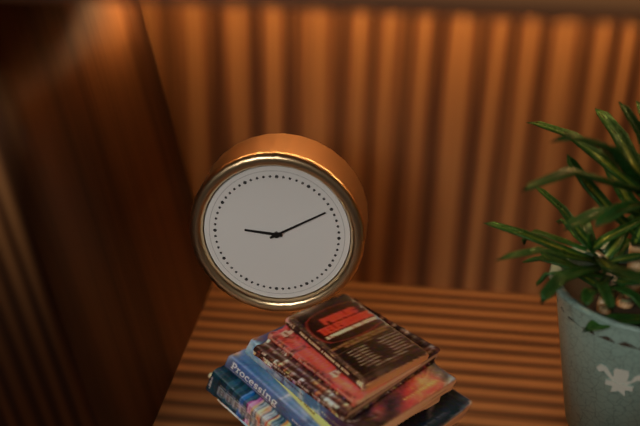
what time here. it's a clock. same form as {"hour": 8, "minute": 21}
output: {"hour": 9, "minute": 10}
